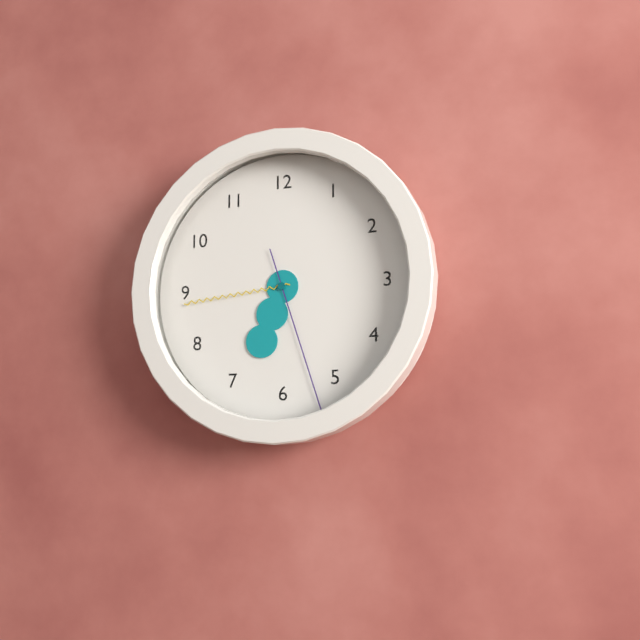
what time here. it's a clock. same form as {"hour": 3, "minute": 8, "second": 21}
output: {"hour": 6, "minute": 44, "second": 27}
